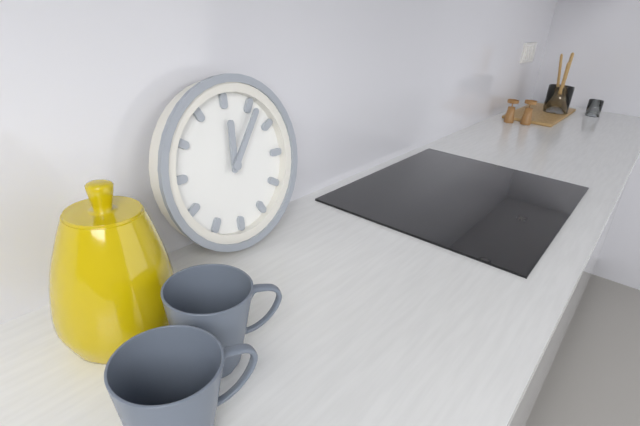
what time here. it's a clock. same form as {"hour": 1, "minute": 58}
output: {"hour": 12, "minute": 6}
